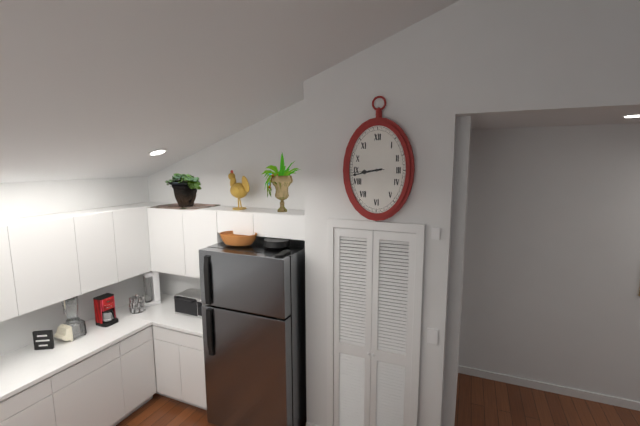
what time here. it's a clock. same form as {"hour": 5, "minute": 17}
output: {"hour": 8, "minute": 43}
